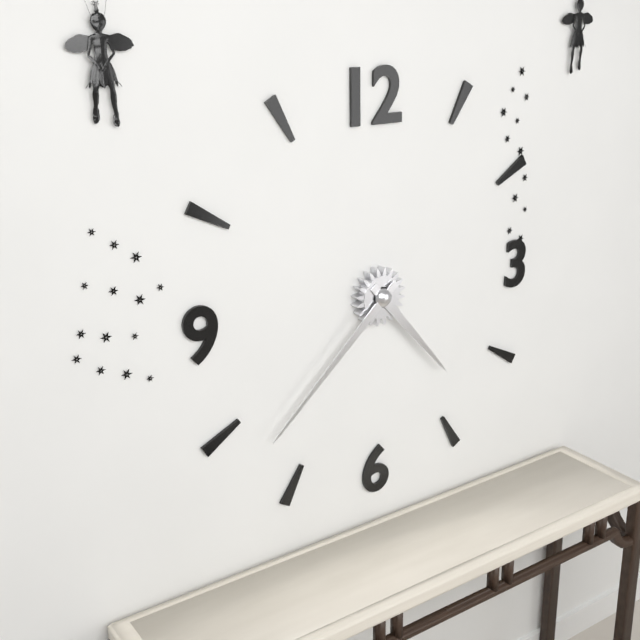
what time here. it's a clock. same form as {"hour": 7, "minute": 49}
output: {"hour": 4, "minute": 38}
